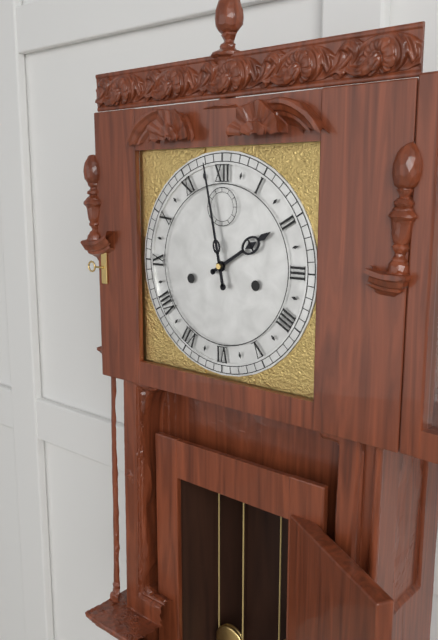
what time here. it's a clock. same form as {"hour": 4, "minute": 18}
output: {"hour": 1, "minute": 58}
